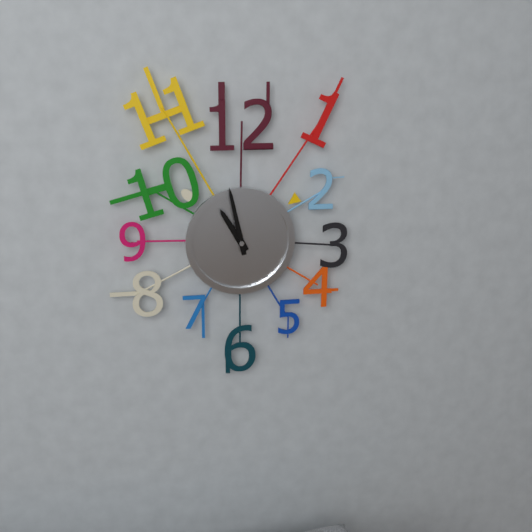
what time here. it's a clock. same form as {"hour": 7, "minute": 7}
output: {"hour": 10, "minute": 58}
